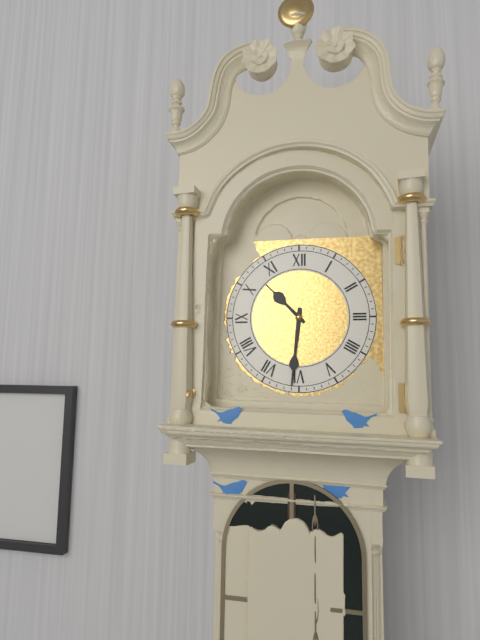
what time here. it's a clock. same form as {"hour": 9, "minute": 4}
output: {"hour": 10, "minute": 31}
